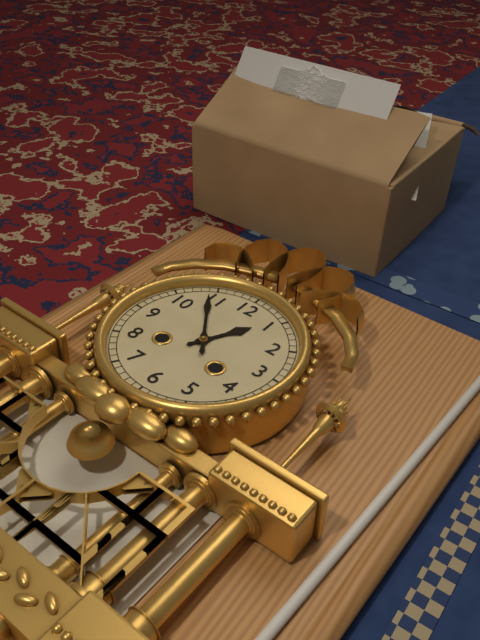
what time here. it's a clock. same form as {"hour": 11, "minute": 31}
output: {"hour": 12, "minute": 54}
